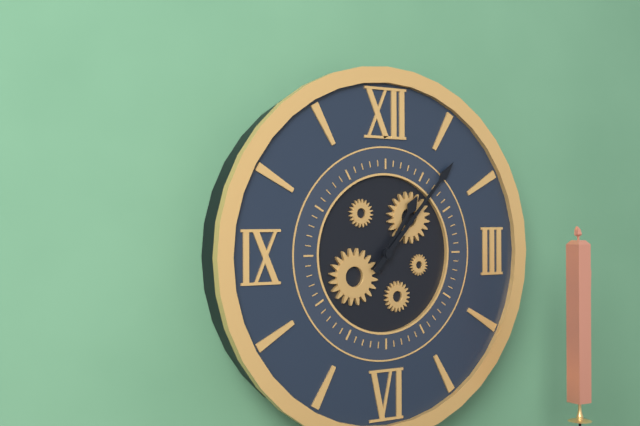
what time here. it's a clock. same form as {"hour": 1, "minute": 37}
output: {"hour": 1, "minute": 7}
